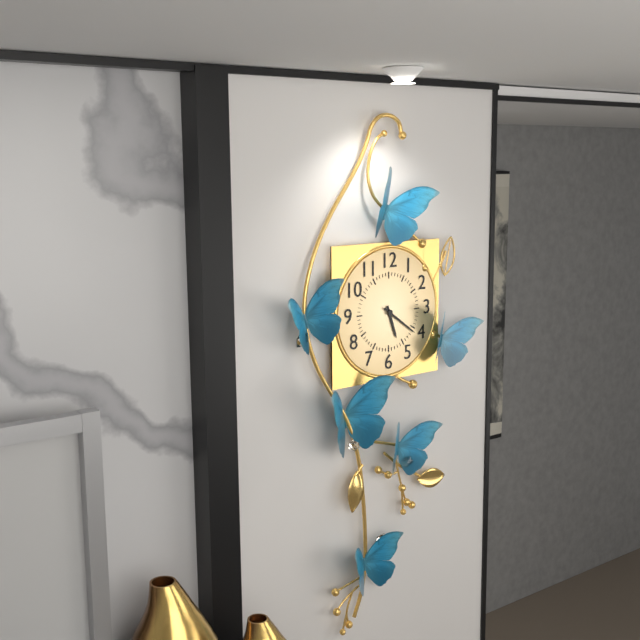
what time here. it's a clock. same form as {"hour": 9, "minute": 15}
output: {"hour": 5, "minute": 21}
